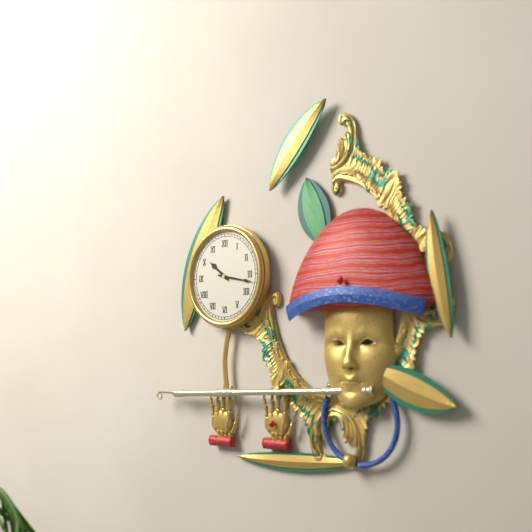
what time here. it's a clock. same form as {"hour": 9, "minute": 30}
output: {"hour": 10, "minute": 17}
